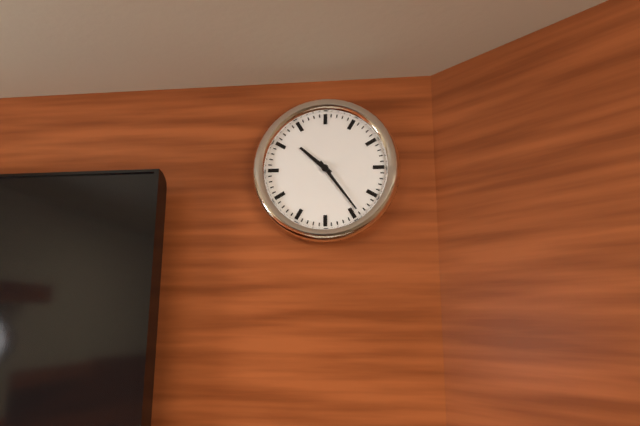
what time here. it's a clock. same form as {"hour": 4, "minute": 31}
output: {"hour": 10, "minute": 24}
